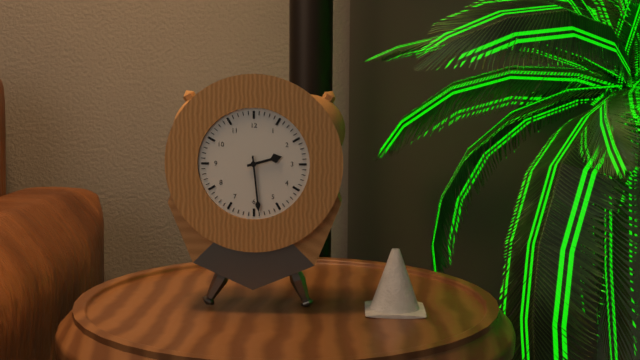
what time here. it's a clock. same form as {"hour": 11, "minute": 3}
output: {"hour": 2, "minute": 29}
